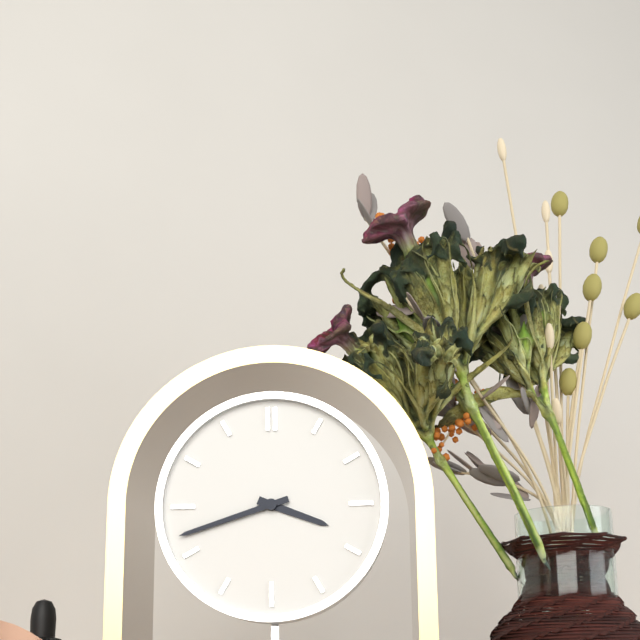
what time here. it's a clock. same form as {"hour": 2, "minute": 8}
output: {"hour": 3, "minute": 42}
